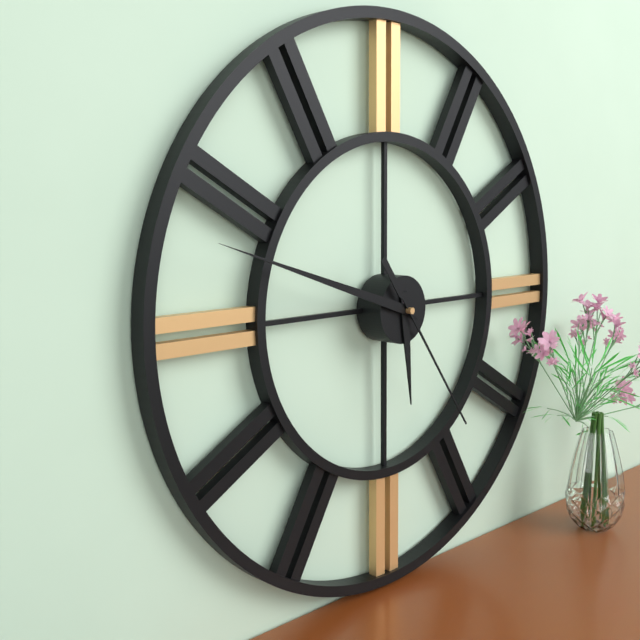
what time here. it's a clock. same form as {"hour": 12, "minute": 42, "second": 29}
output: {"hour": 5, "minute": 48, "second": 24}
